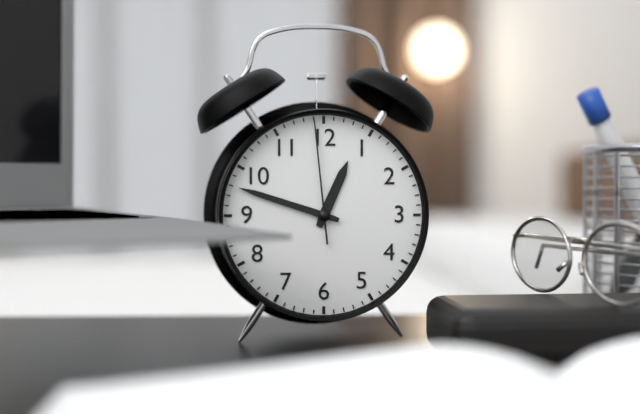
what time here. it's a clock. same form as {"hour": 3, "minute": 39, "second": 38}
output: {"hour": 12, "minute": 48, "second": 59}
